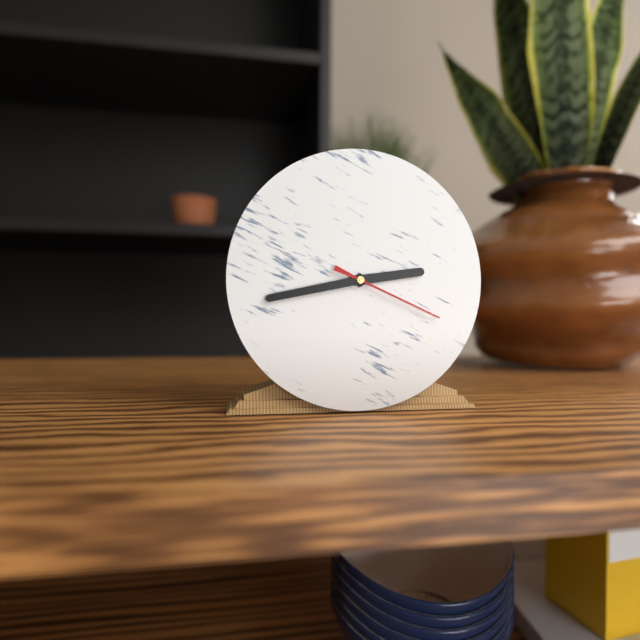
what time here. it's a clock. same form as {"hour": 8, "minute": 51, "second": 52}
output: {"hour": 2, "minute": 43, "second": 19}
